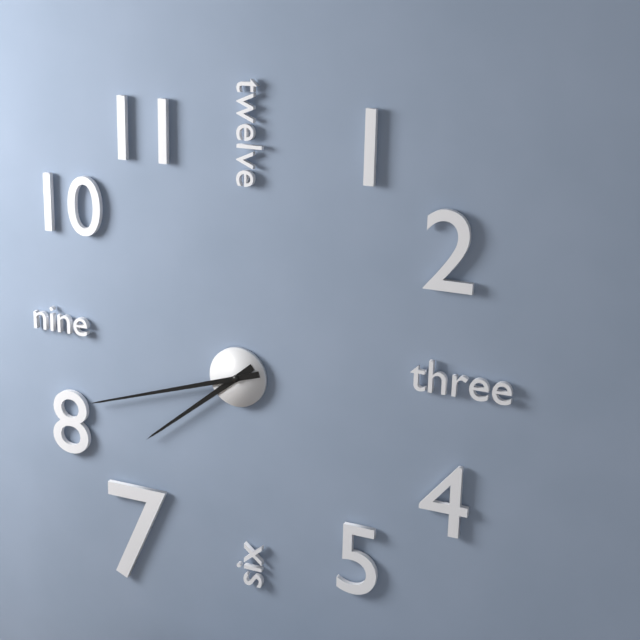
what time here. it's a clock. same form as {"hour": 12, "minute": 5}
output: {"hour": 7, "minute": 42}
